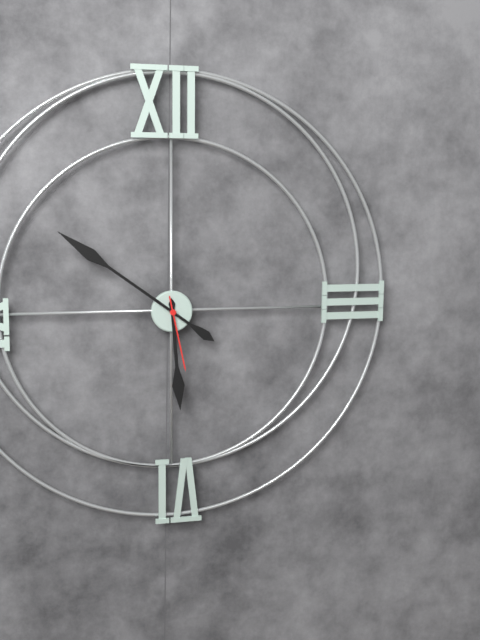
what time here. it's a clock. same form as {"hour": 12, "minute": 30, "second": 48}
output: {"hour": 5, "minute": 51, "second": 28}
